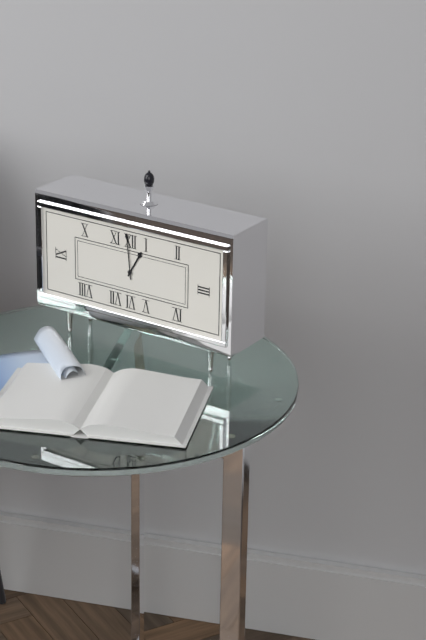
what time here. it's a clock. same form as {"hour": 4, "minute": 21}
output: {"hour": 12, "minute": 59}
